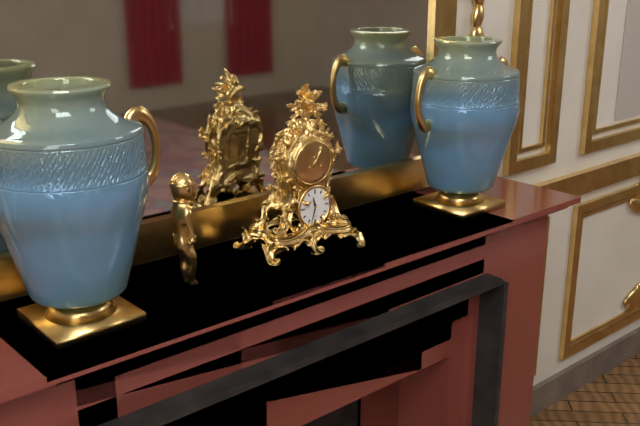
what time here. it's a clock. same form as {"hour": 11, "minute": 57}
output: {"hour": 11, "minute": 33}
